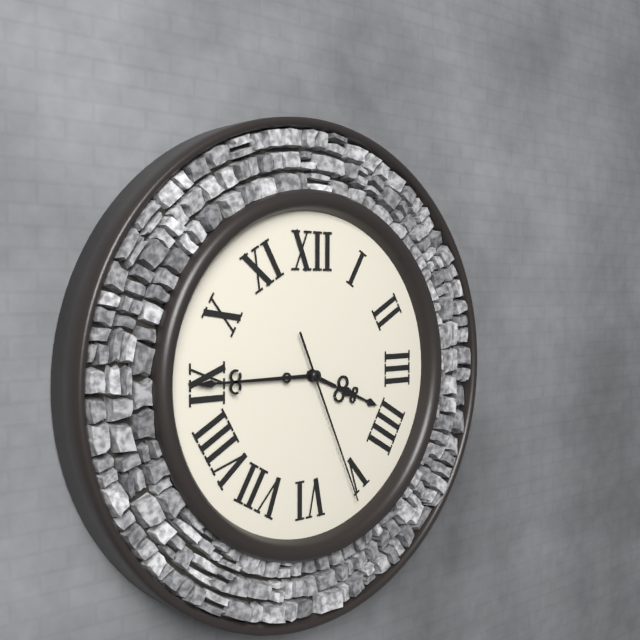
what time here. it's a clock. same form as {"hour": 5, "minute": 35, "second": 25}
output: {"hour": 3, "minute": 45, "second": 26}
